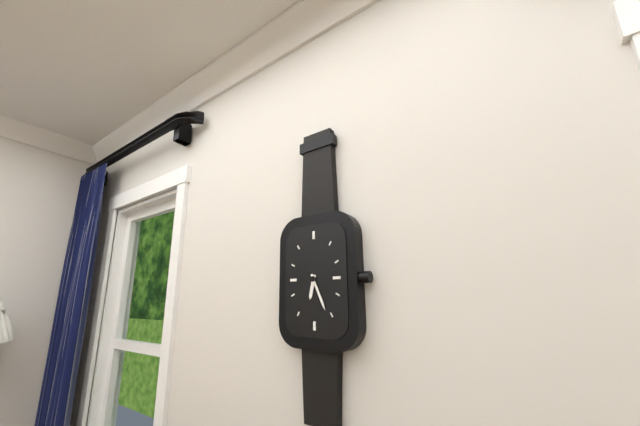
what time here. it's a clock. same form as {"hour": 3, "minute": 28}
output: {"hour": 6, "minute": 26}
